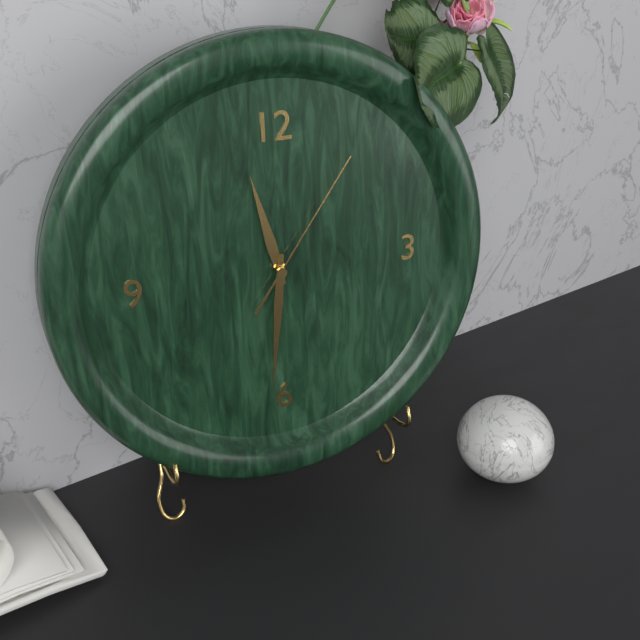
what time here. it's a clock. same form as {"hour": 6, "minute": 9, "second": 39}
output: {"hour": 11, "minute": 31, "second": 6}
